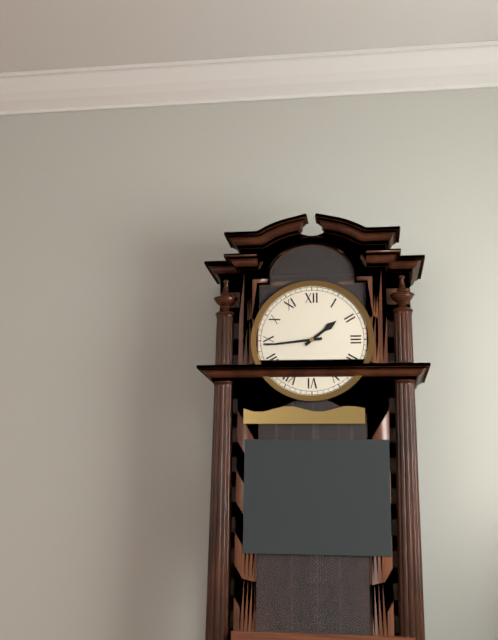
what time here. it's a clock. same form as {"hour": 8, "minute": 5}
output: {"hour": 1, "minute": 44}
